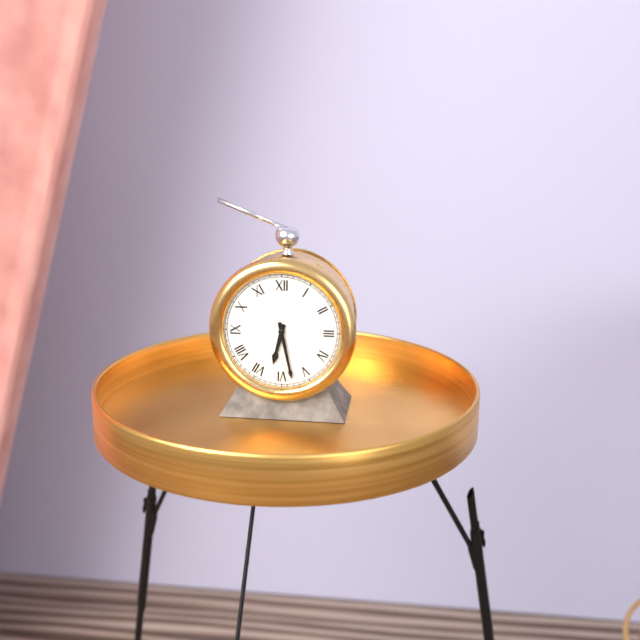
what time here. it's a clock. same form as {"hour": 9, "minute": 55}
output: {"hour": 6, "minute": 28}
